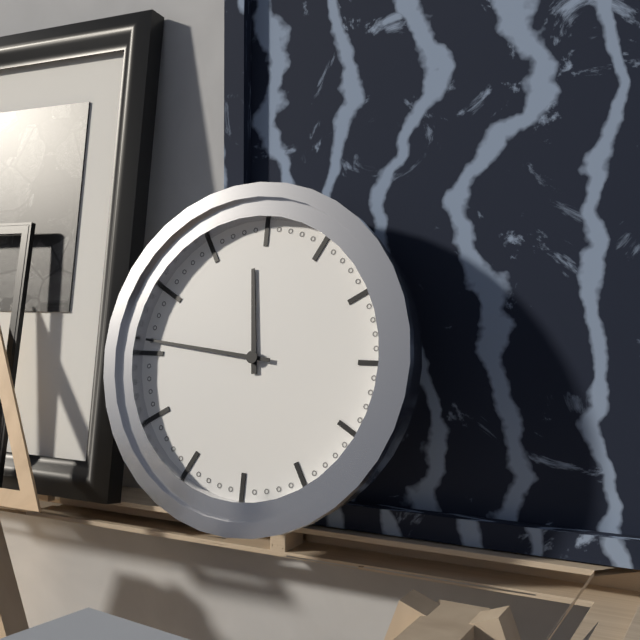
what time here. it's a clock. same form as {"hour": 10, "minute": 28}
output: {"hour": 11, "minute": 46}
